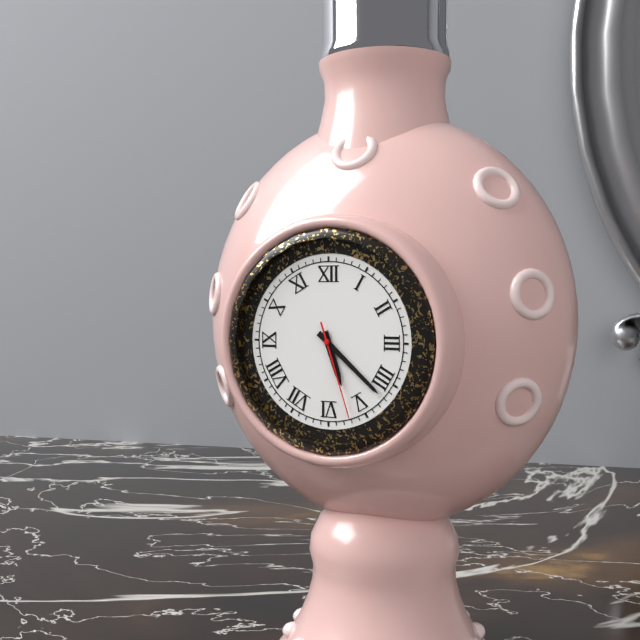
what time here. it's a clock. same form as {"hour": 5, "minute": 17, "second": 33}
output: {"hour": 5, "minute": 22, "second": 27}
